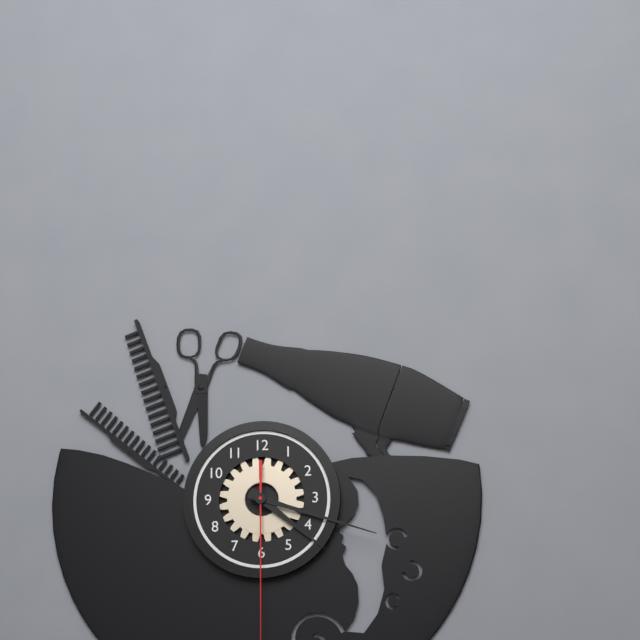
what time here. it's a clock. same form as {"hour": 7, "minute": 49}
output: {"hour": 4, "minute": 18}
